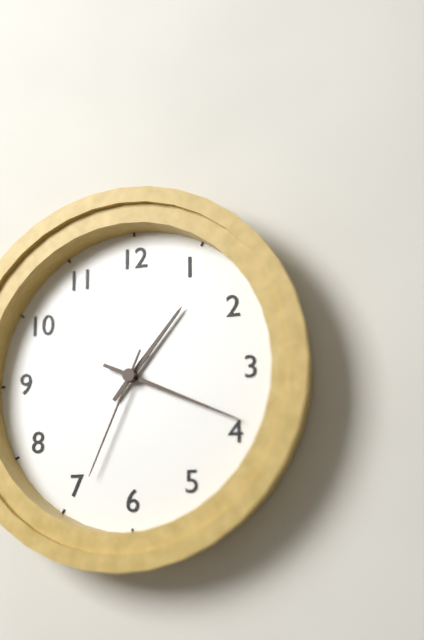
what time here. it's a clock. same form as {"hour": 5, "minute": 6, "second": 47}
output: {"hour": 1, "minute": 19, "second": 34}
